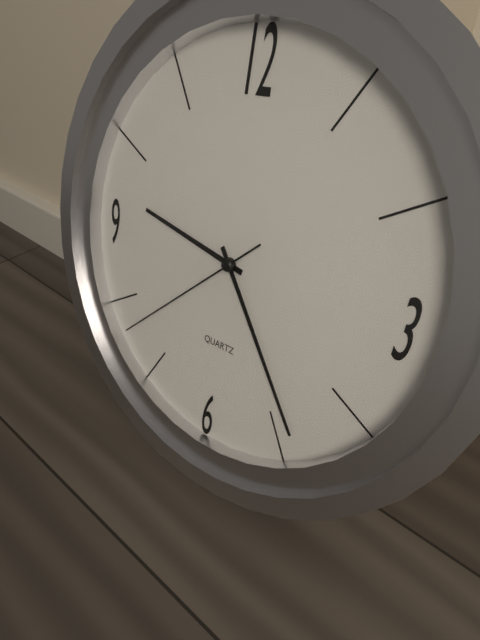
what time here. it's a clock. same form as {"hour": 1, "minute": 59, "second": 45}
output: {"hour": 9, "minute": 24, "second": 38}
